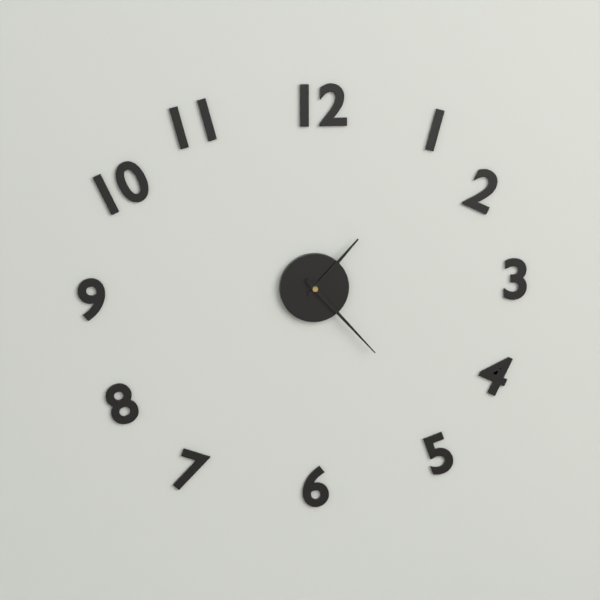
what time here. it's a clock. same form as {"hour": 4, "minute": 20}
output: {"hour": 1, "minute": 23}
